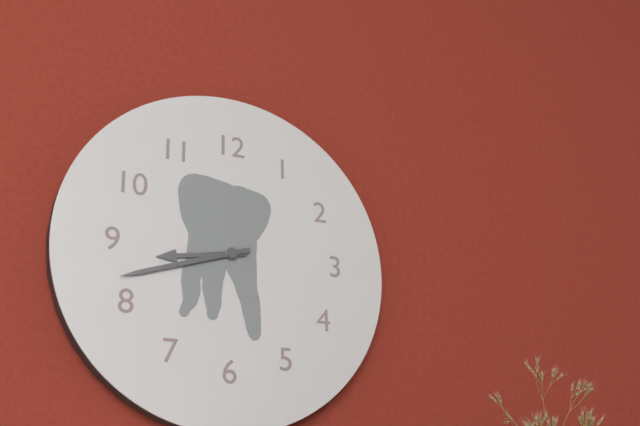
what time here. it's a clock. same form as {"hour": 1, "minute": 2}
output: {"hour": 8, "minute": 42}
